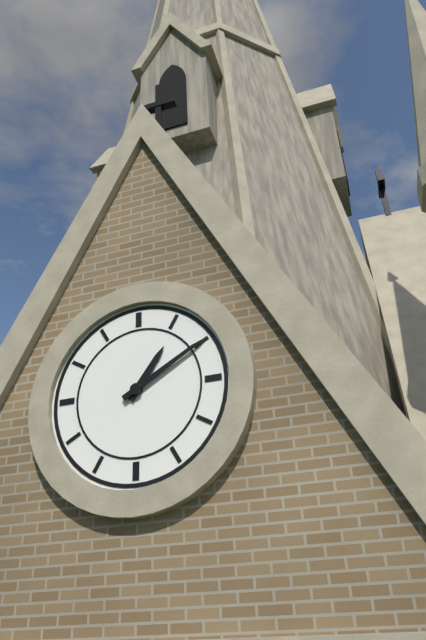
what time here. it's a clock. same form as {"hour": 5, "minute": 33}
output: {"hour": 1, "minute": 10}
